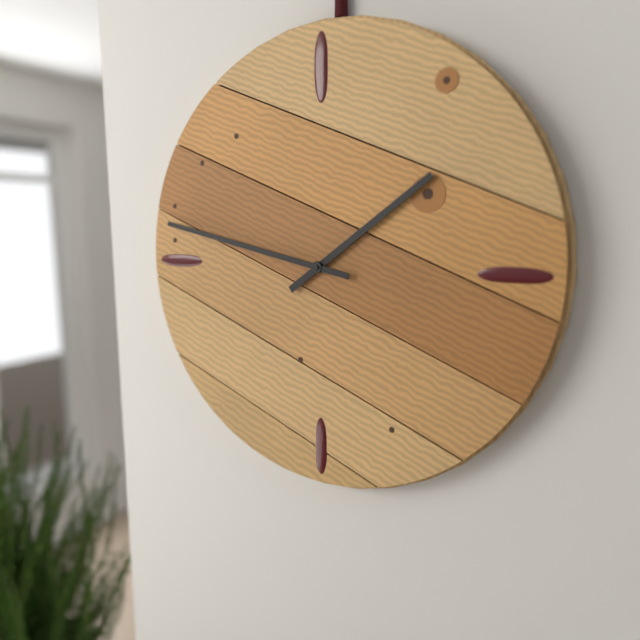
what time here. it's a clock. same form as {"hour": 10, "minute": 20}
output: {"hour": 1, "minute": 47}
